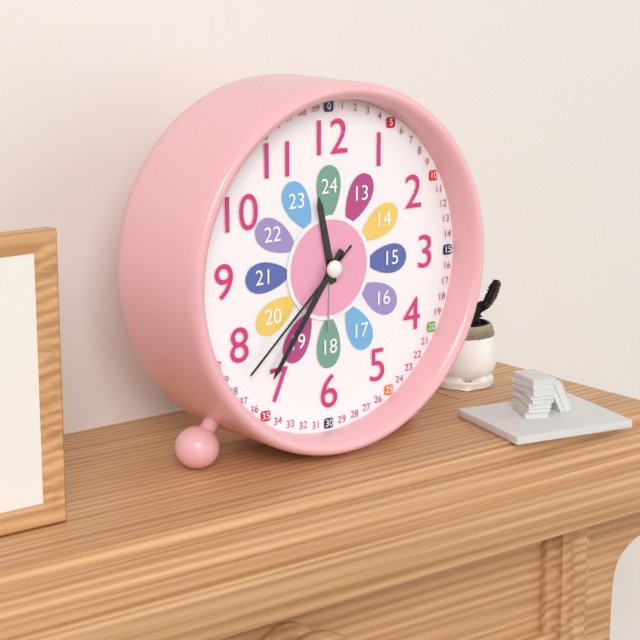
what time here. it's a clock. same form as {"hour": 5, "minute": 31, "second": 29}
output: {"hour": 11, "minute": 36, "second": 38}
